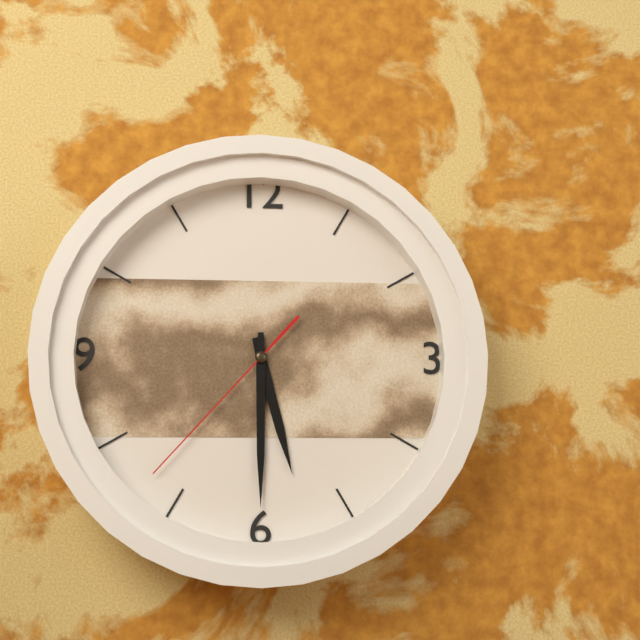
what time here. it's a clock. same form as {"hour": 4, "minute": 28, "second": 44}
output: {"hour": 5, "minute": 30, "second": 37}
